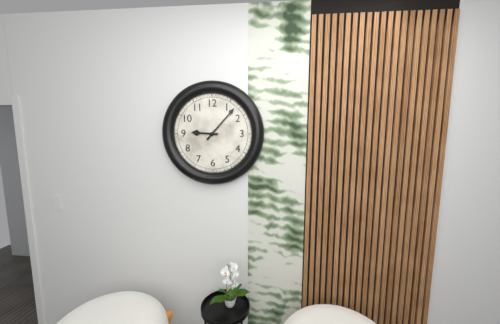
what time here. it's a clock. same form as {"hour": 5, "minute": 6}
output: {"hour": 9, "minute": 7}
